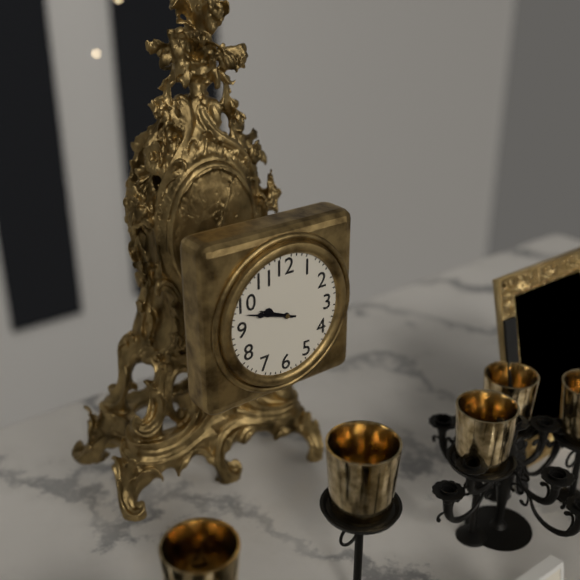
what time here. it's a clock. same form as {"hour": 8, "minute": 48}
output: {"hour": 9, "minute": 48}
